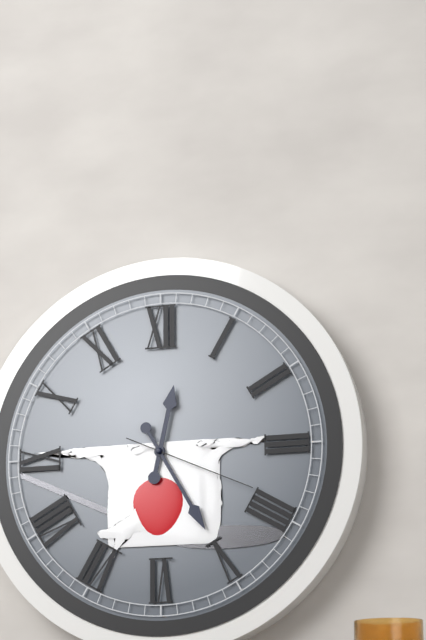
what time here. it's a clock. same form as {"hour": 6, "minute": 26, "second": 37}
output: {"hour": 12, "minute": 25, "second": 19}
